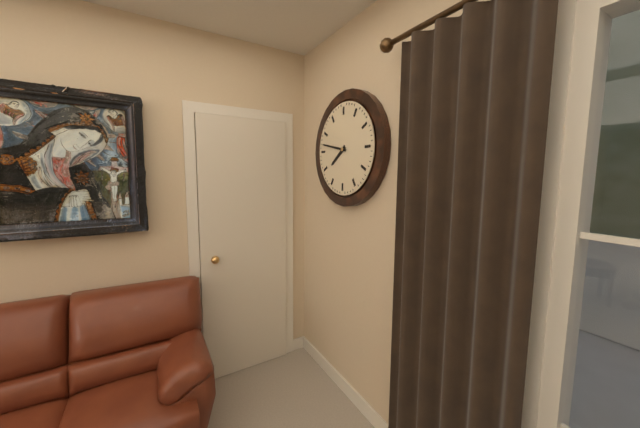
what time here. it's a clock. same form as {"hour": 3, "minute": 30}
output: {"hour": 7, "minute": 47}
